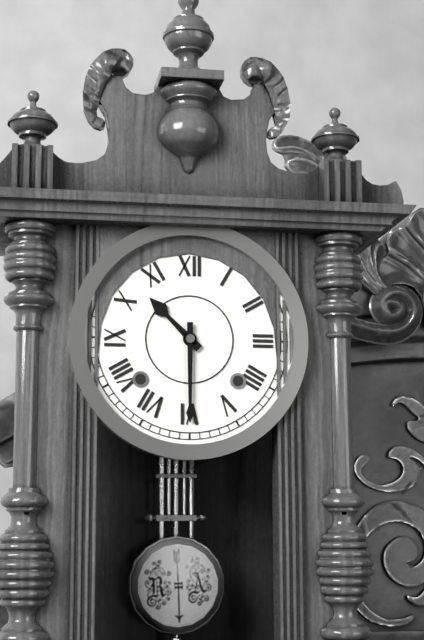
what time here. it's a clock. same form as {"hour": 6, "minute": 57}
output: {"hour": 10, "minute": 30}
